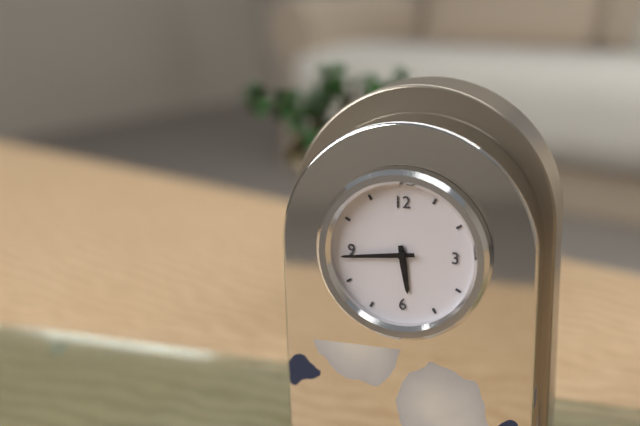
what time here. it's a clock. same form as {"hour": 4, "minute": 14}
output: {"hour": 5, "minute": 44}
